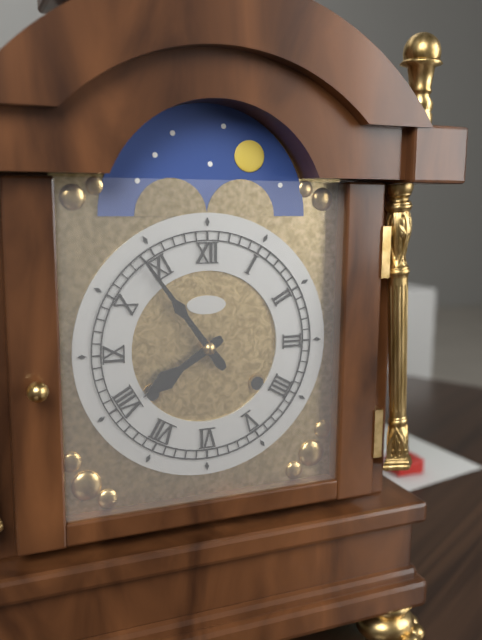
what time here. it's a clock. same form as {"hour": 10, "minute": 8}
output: {"hour": 7, "minute": 54}
